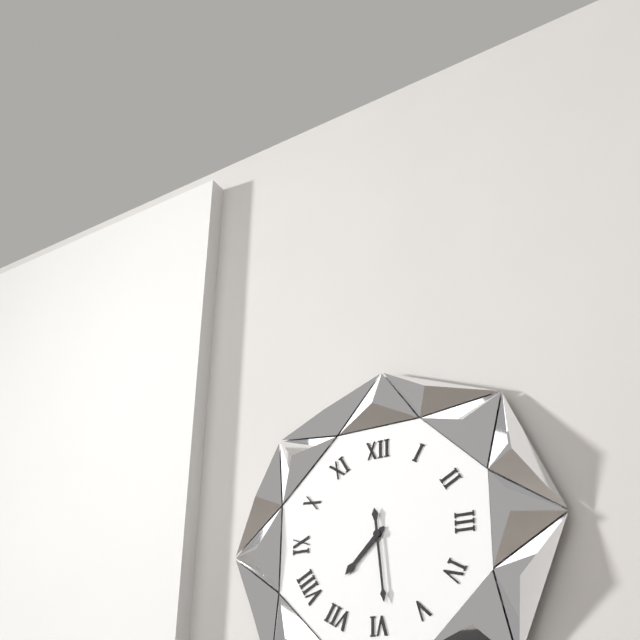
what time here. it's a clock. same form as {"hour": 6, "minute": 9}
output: {"hour": 7, "minute": 29}
